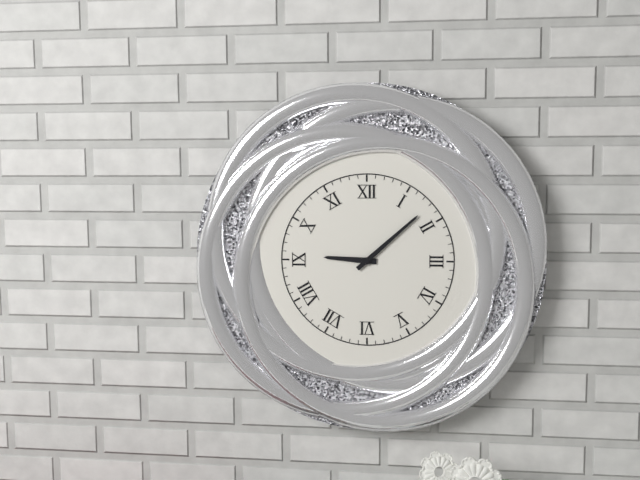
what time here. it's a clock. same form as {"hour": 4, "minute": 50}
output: {"hour": 9, "minute": 8}
